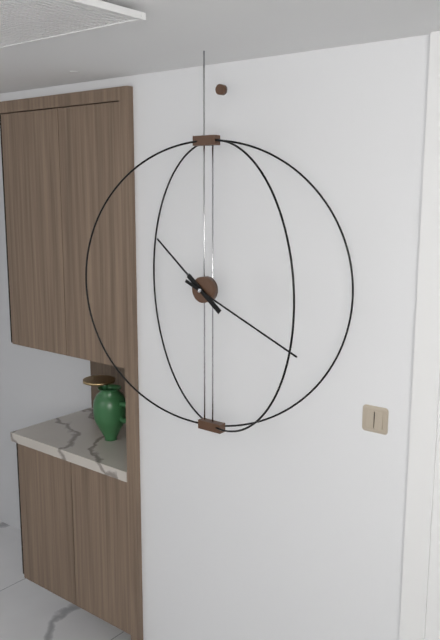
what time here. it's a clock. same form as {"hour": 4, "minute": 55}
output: {"hour": 10, "minute": 19}
